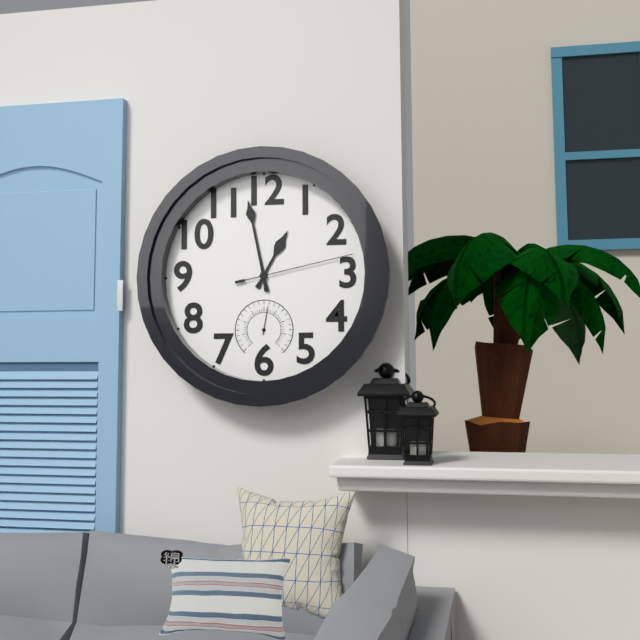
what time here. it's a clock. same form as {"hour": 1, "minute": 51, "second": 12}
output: {"hour": 12, "minute": 58, "second": 13}
